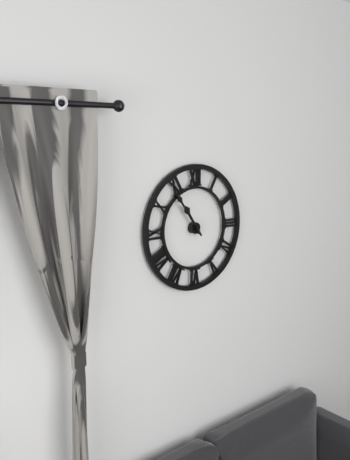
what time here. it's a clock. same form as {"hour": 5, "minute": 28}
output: {"hour": 10, "minute": 54}
